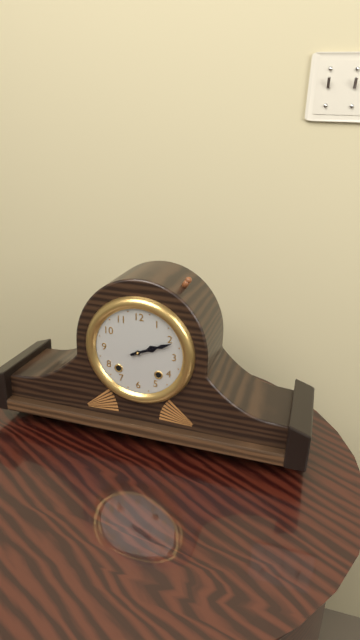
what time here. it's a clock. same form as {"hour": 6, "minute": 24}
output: {"hour": 2, "minute": 11}
